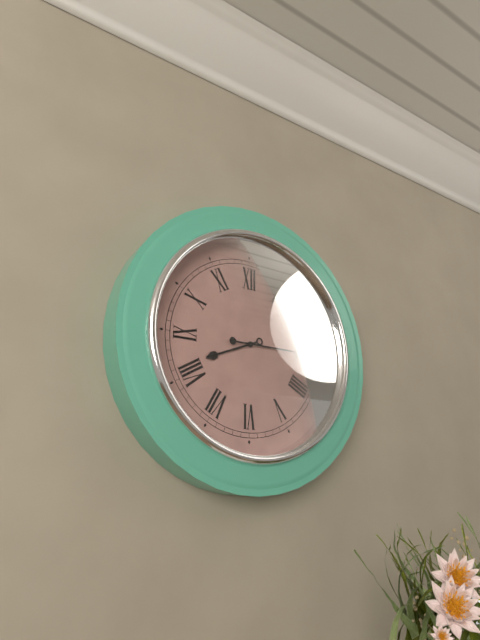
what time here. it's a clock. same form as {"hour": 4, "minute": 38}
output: {"hour": 8, "minute": 15}
